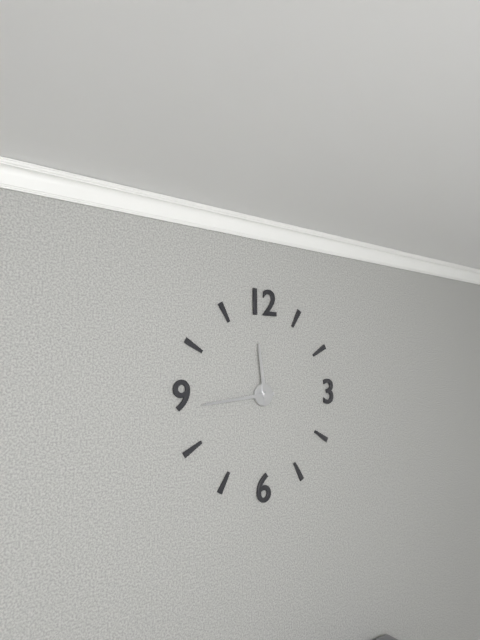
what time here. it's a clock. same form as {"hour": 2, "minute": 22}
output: {"hour": 11, "minute": 44}
